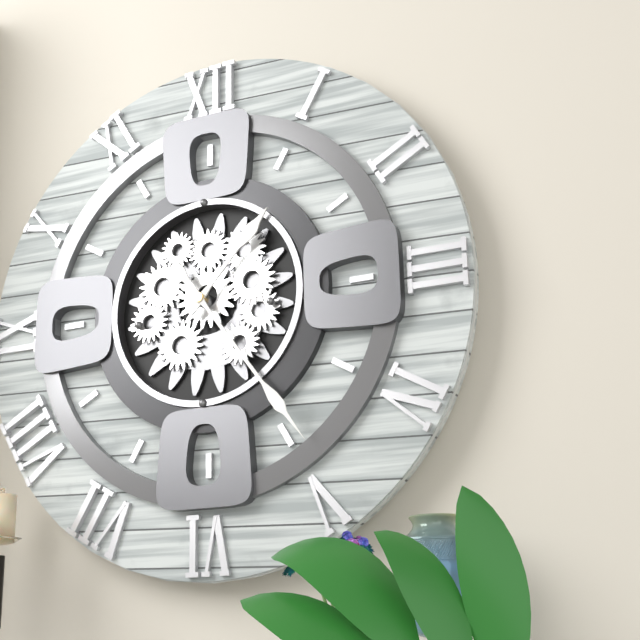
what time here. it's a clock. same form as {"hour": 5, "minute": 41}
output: {"hour": 1, "minute": 24}
